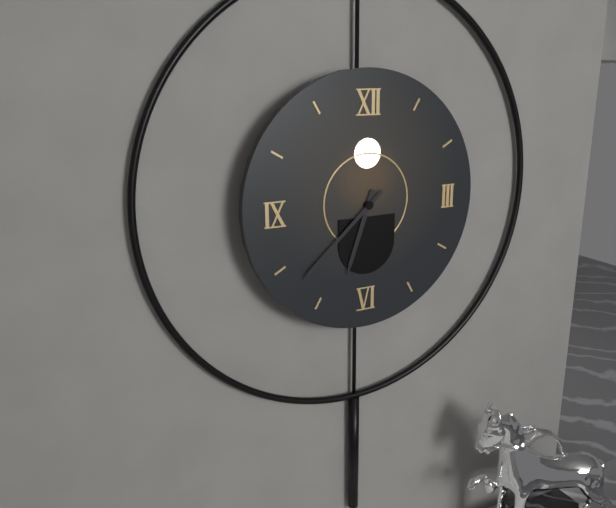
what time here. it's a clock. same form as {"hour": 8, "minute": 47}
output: {"hour": 6, "minute": 38}
